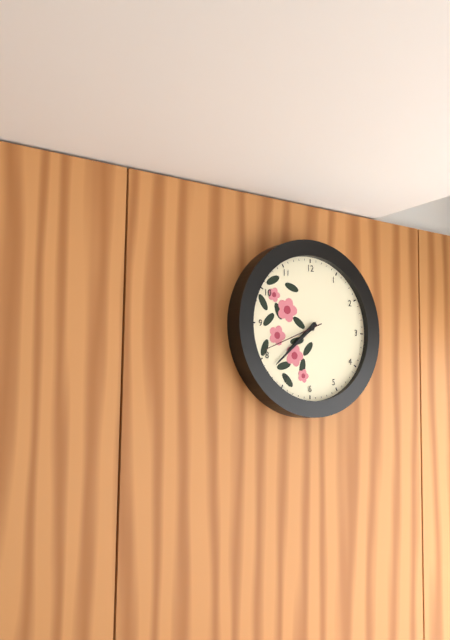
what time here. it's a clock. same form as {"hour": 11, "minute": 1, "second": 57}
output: {"hour": 7, "minute": 38, "second": 41}
